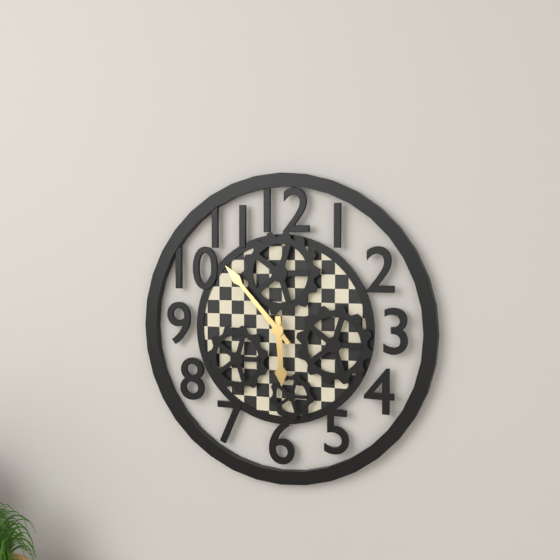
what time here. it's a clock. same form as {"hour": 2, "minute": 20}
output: {"hour": 5, "minute": 53}
